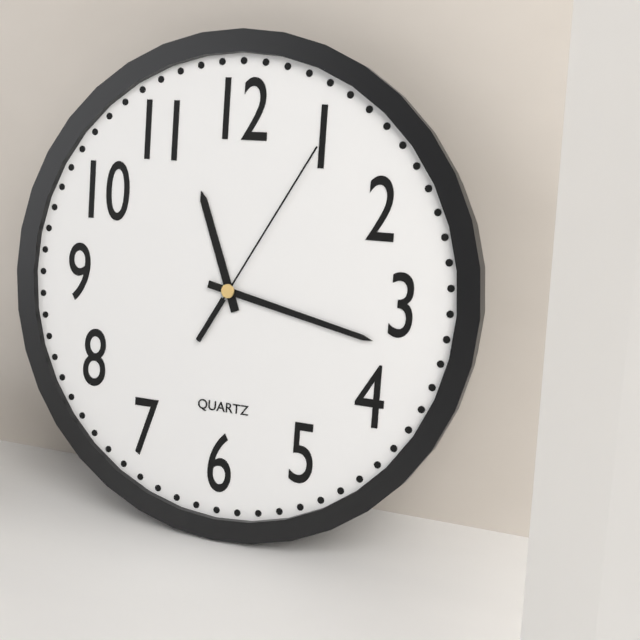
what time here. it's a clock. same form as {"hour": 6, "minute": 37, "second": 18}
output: {"hour": 11, "minute": 17, "second": 5}
